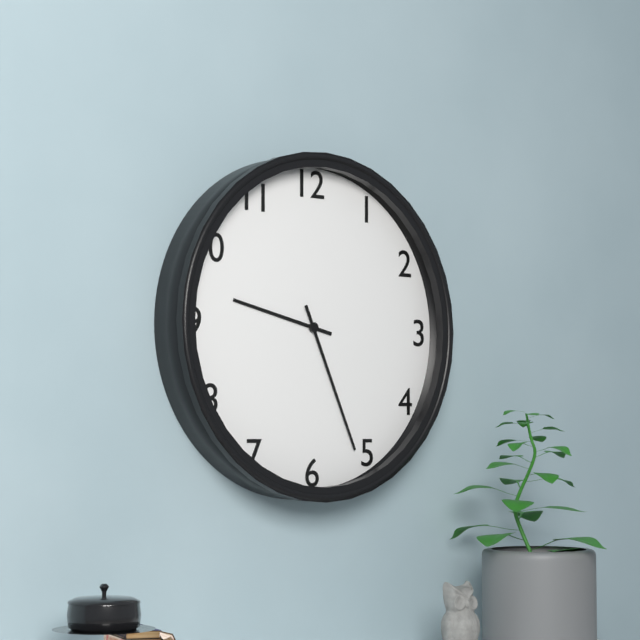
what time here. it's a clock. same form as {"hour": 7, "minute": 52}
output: {"hour": 9, "minute": 26}
